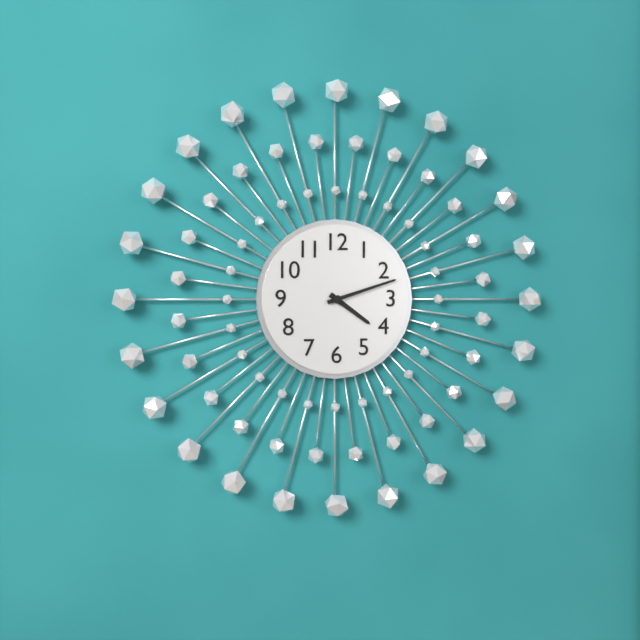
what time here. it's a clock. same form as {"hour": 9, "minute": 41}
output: {"hour": 4, "minute": 12}
